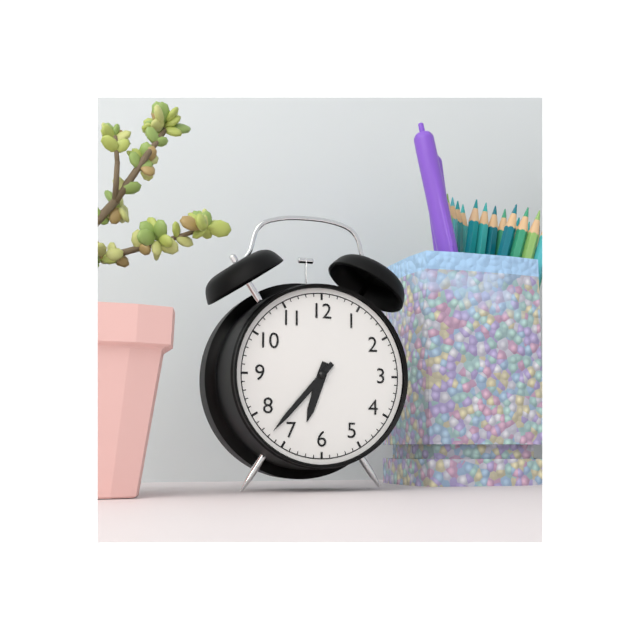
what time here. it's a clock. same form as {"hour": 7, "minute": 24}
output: {"hour": 6, "minute": 37}
